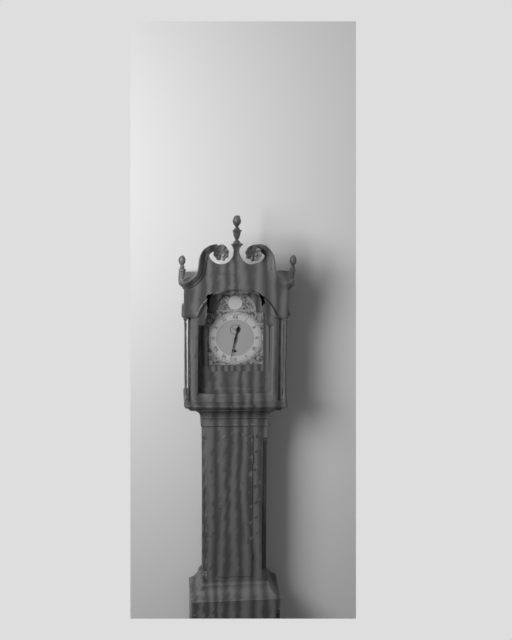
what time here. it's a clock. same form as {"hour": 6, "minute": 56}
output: {"hour": 12, "minute": 32}
